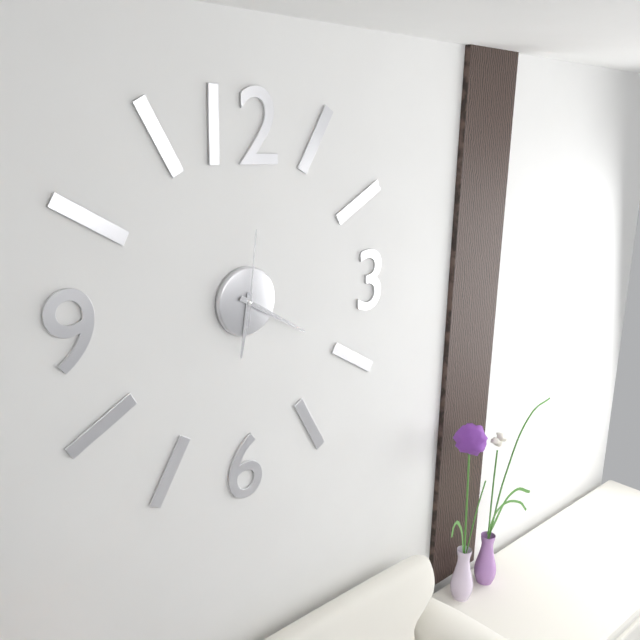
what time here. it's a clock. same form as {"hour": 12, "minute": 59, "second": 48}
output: {"hour": 6, "minute": 20, "second": 1}
